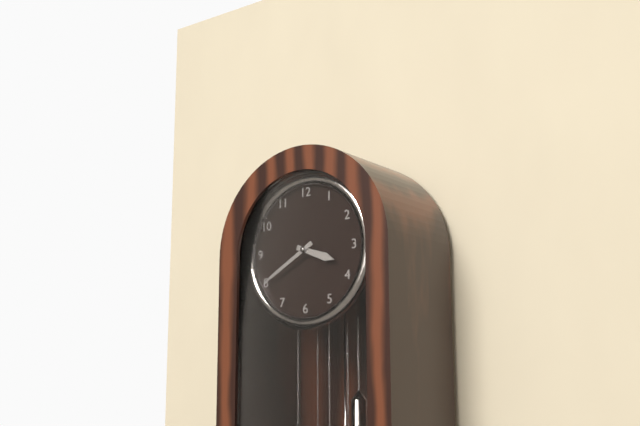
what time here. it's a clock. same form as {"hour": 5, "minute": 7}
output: {"hour": 3, "minute": 40}
